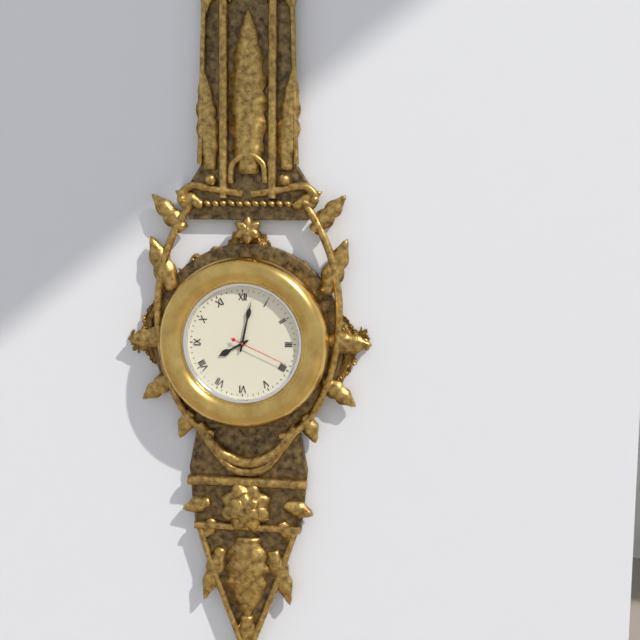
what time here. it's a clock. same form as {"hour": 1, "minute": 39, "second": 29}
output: {"hour": 8, "minute": 2, "second": 19}
